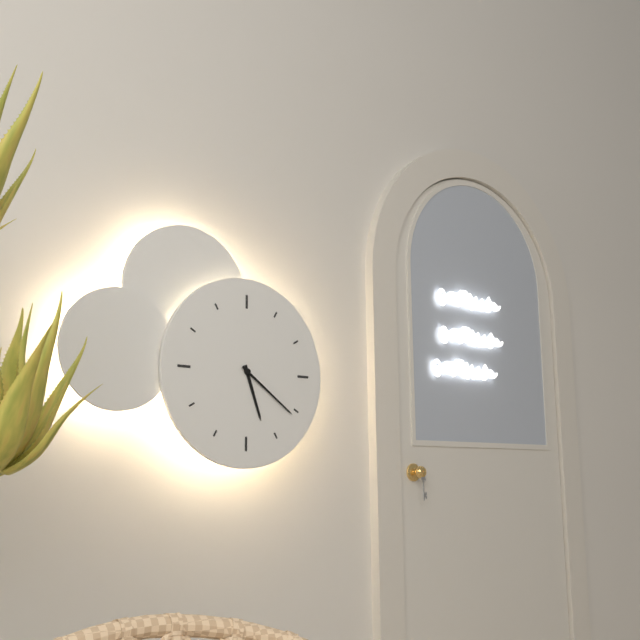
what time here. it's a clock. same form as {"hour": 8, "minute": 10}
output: {"hour": 5, "minute": 21}
